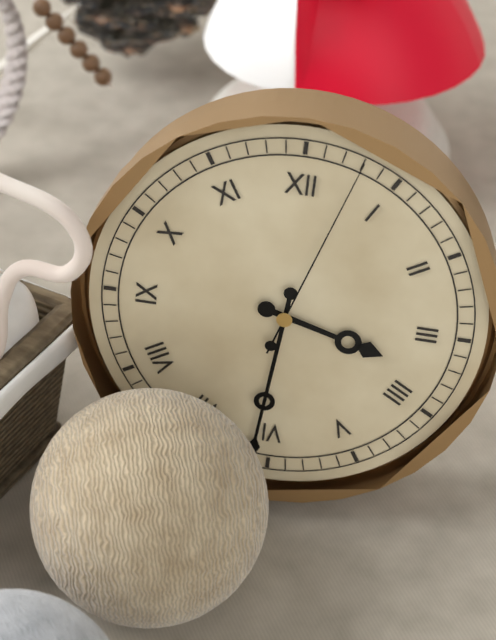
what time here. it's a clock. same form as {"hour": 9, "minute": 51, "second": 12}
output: {"hour": 3, "minute": 31, "second": 3}
